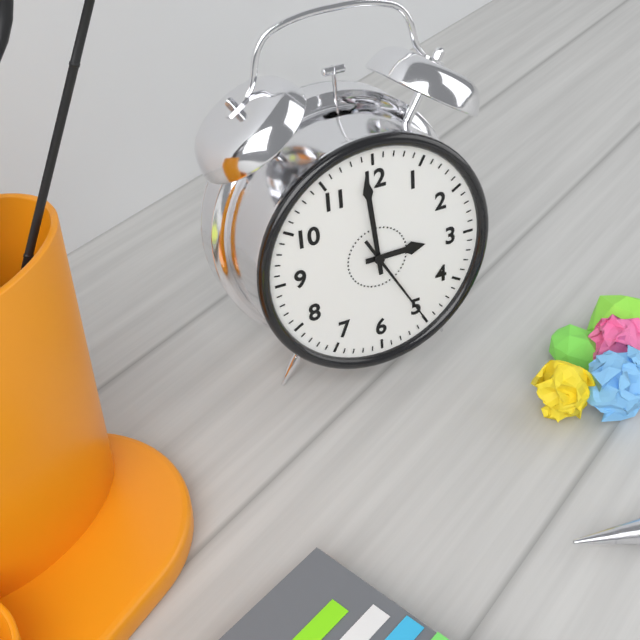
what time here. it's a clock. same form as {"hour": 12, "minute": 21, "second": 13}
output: {"hour": 2, "minute": 59, "second": 25}
